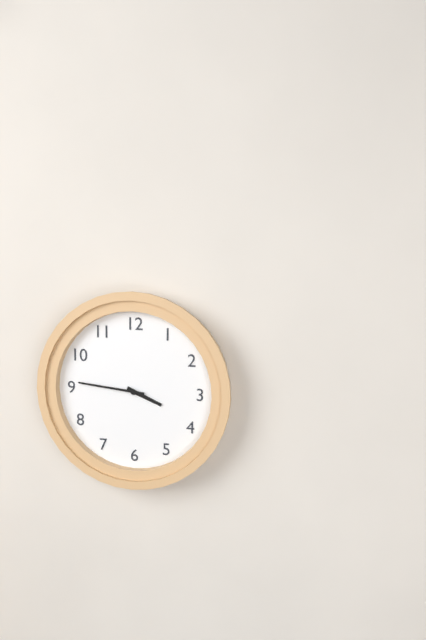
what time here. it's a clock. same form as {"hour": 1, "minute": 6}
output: {"hour": 3, "minute": 46}
